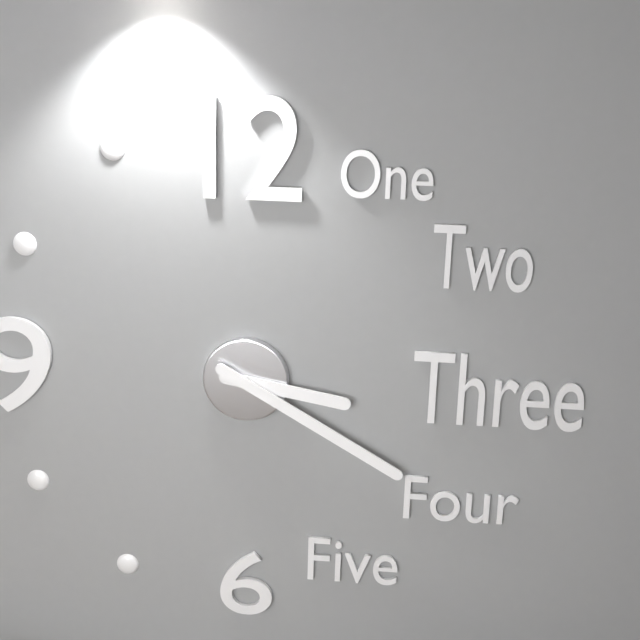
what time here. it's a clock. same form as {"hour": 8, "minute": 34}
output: {"hour": 3, "minute": 20}
